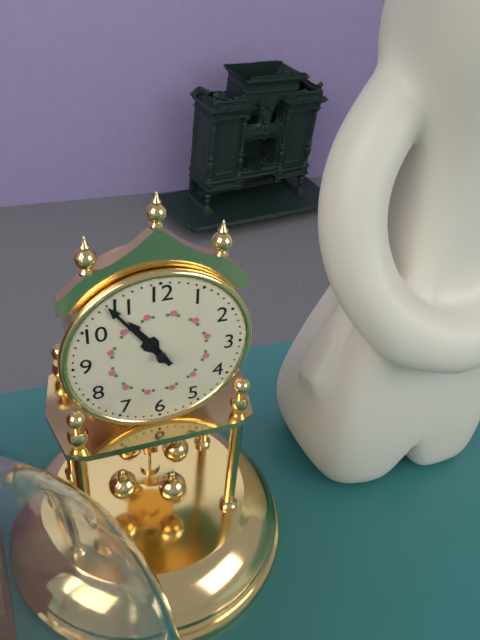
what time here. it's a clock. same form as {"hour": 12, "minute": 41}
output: {"hour": 10, "minute": 54}
